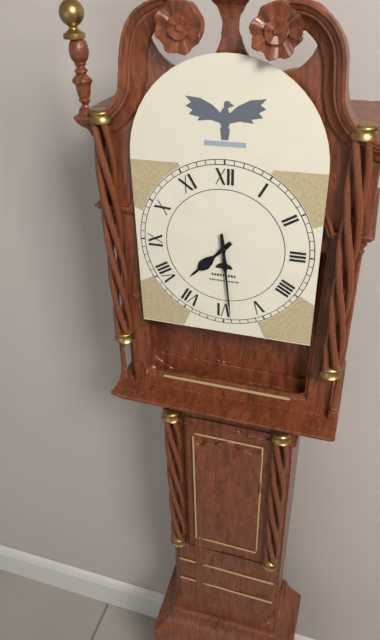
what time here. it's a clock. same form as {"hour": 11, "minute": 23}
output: {"hour": 7, "minute": 29}
